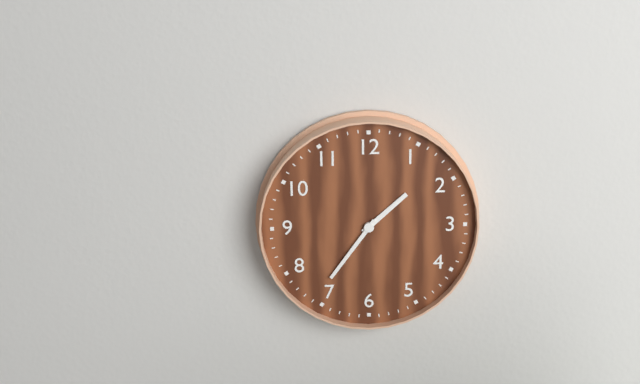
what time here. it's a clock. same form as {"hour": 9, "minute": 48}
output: {"hour": 1, "minute": 36}
